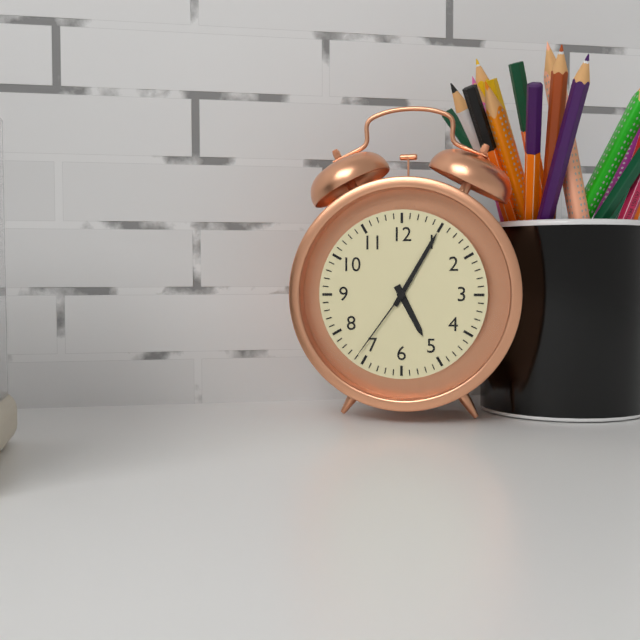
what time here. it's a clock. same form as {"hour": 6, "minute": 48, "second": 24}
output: {"hour": 5, "minute": 5, "second": 36}
